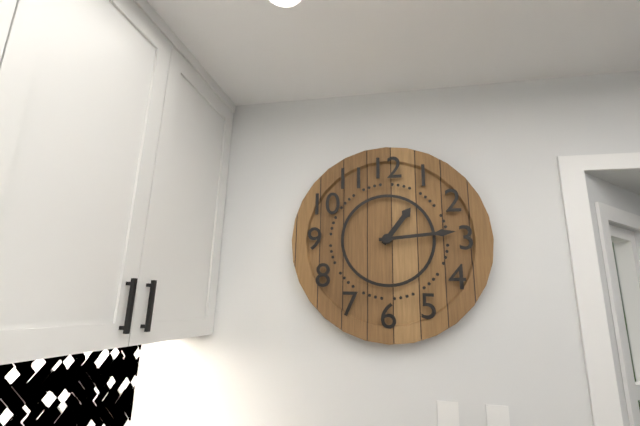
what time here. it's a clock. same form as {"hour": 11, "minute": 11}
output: {"hour": 1, "minute": 14}
